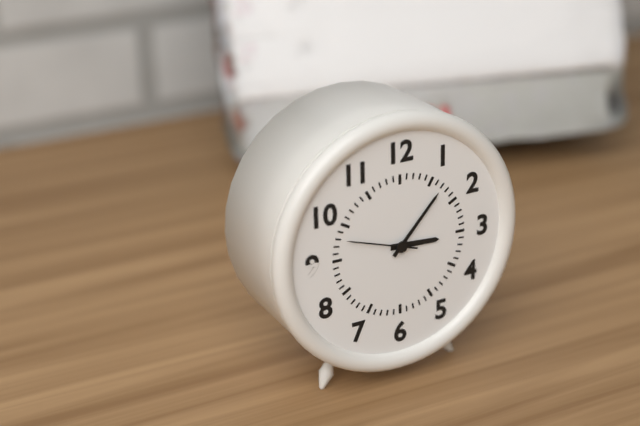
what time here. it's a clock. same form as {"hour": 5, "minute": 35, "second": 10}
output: {"hour": 3, "minute": 7, "second": 48}
